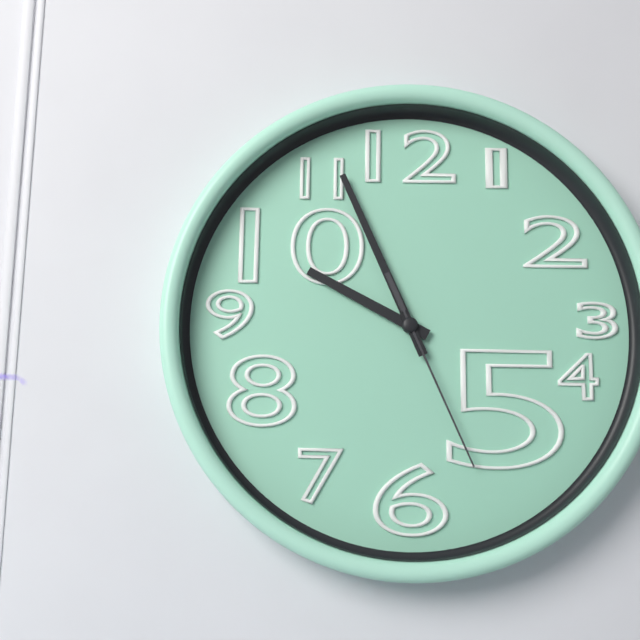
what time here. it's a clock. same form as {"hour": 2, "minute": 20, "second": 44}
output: {"hour": 9, "minute": 56, "second": 26}
